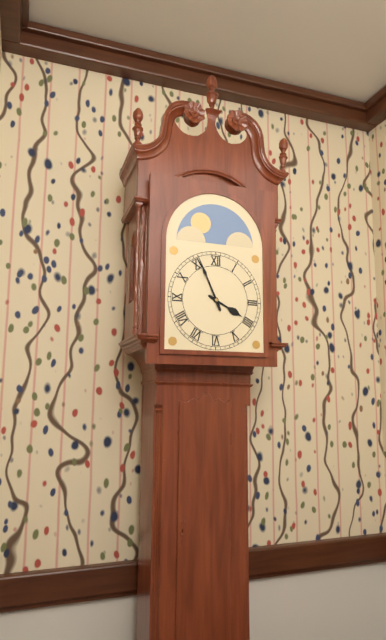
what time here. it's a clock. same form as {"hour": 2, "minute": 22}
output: {"hour": 3, "minute": 56}
